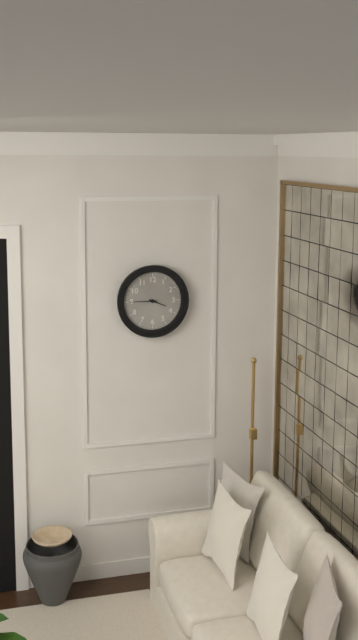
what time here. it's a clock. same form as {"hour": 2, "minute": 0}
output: {"hour": 3, "minute": 45}
